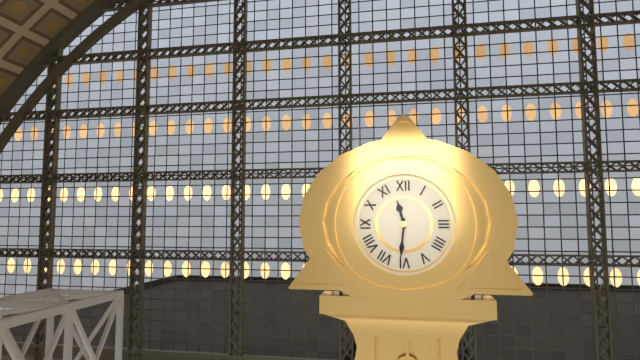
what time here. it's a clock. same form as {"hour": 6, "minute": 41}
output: {"hour": 11, "minute": 31}
